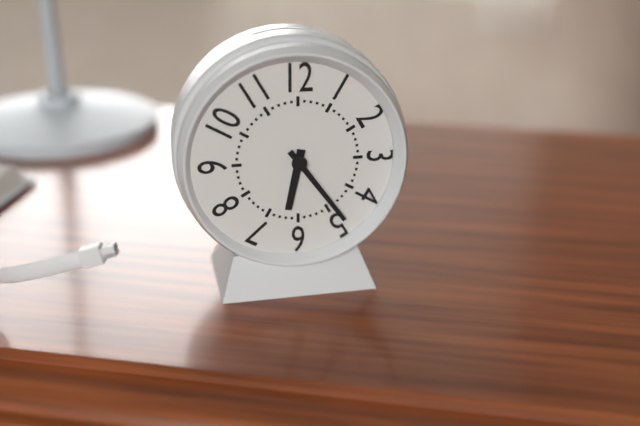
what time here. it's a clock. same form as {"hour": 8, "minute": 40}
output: {"hour": 6, "minute": 24}
